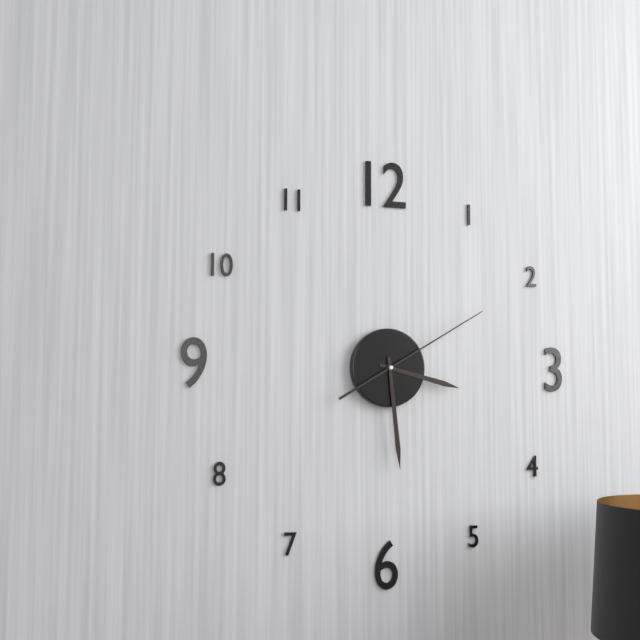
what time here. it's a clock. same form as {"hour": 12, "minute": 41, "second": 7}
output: {"hour": 3, "minute": 29, "second": 10}
